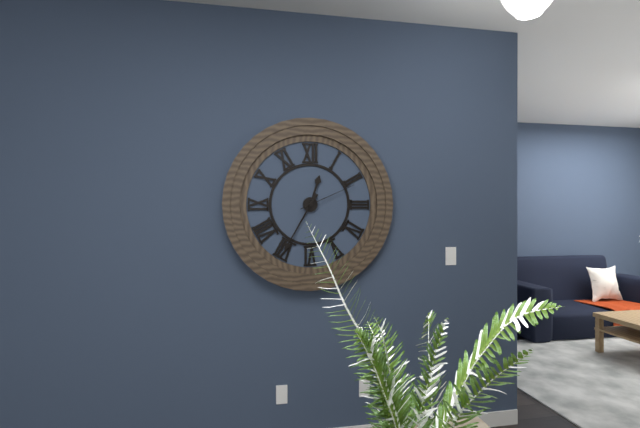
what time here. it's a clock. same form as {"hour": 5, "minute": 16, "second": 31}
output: {"hour": 12, "minute": 35, "second": 11}
